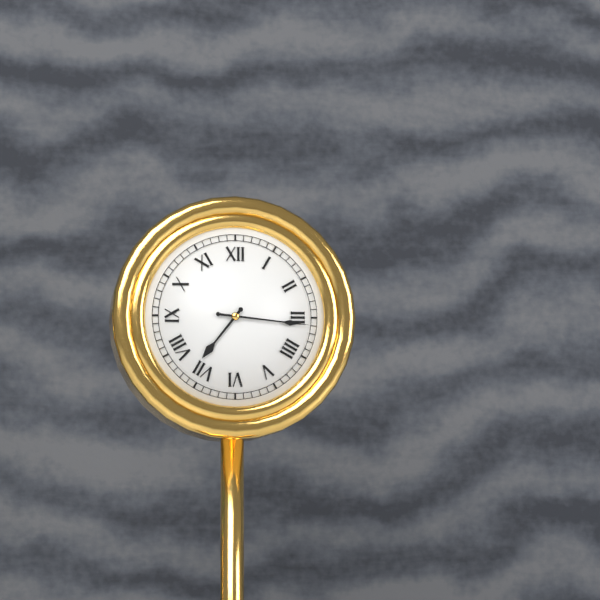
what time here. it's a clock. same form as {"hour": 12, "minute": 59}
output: {"hour": 7, "minute": 16}
